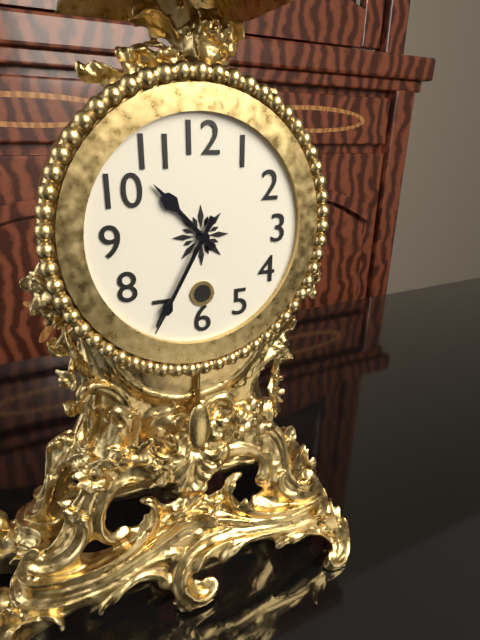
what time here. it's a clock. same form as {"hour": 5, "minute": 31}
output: {"hour": 10, "minute": 35}
